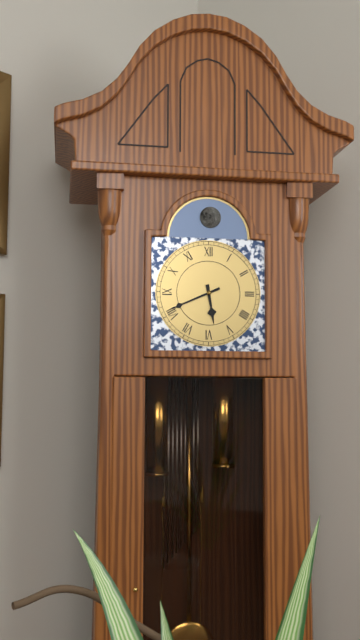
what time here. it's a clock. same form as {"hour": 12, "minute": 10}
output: {"hour": 5, "minute": 41}
